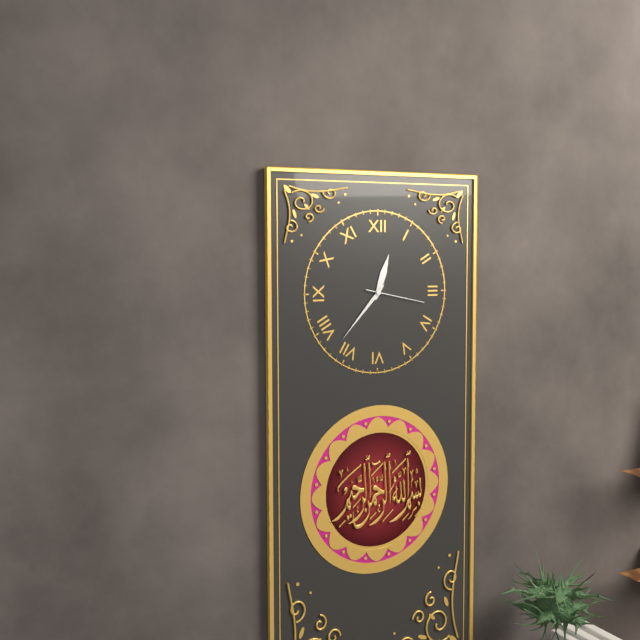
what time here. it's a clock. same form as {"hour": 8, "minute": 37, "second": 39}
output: {"hour": 12, "minute": 37, "second": 17}
